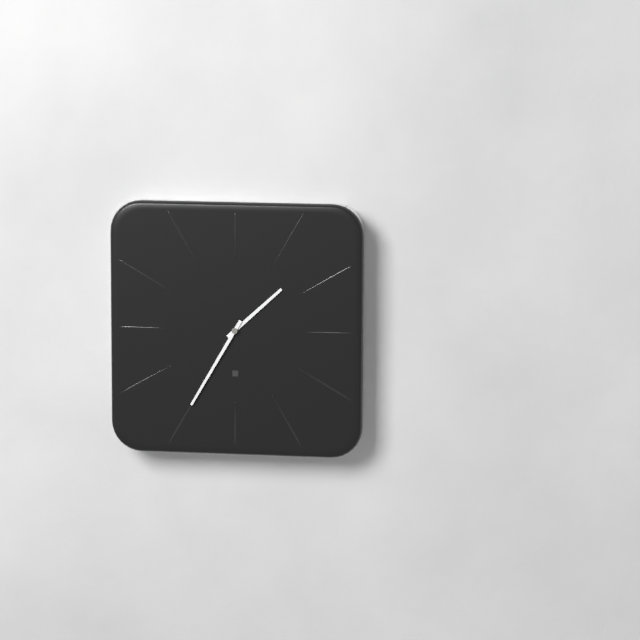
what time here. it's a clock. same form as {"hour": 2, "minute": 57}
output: {"hour": 1, "minute": 35}
